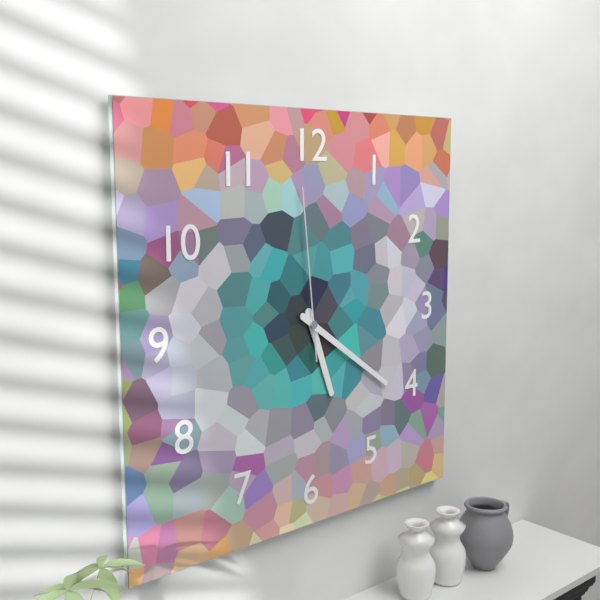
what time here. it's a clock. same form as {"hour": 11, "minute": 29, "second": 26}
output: {"hour": 5, "minute": 21, "second": 59}
